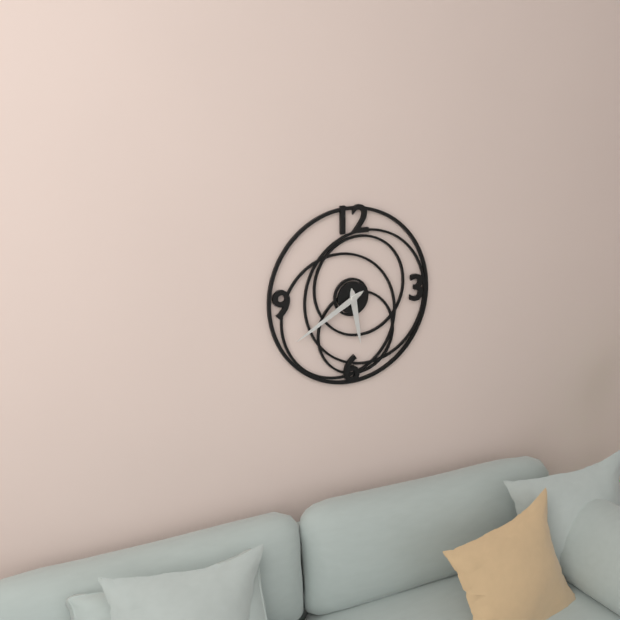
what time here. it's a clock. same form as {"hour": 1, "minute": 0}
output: {"hour": 5, "minute": 40}
